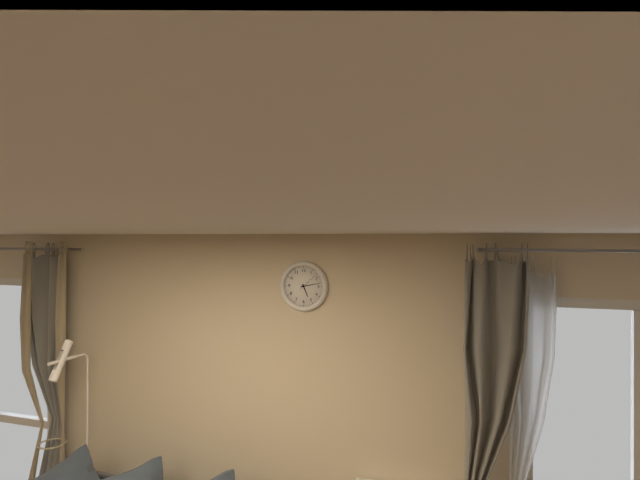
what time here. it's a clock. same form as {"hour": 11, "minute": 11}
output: {"hour": 5, "minute": 13}
